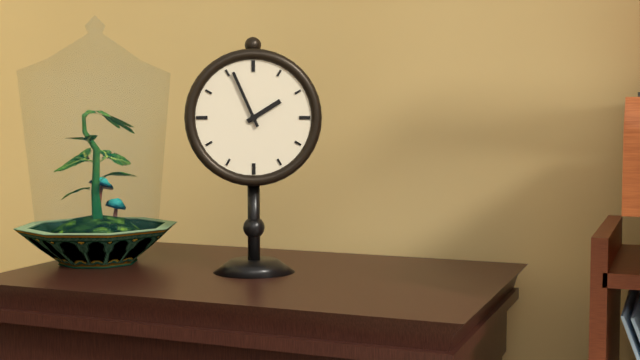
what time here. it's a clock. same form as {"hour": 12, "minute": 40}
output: {"hour": 1, "minute": 56}
